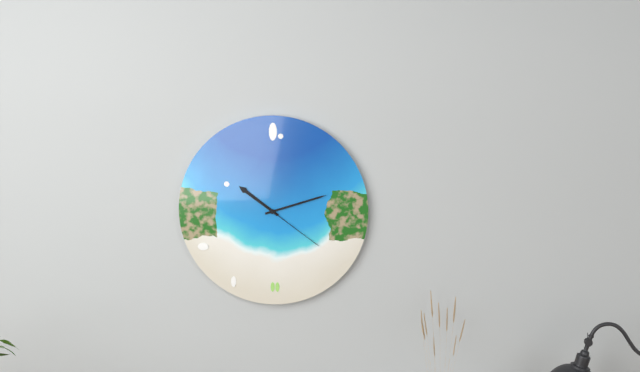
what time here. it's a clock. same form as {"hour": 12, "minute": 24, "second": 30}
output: {"hour": 10, "minute": 12, "second": 21}
